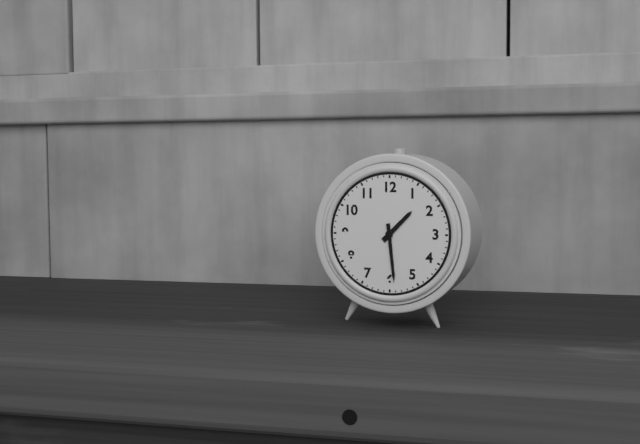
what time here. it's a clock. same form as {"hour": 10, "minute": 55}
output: {"hour": 1, "minute": 29}
